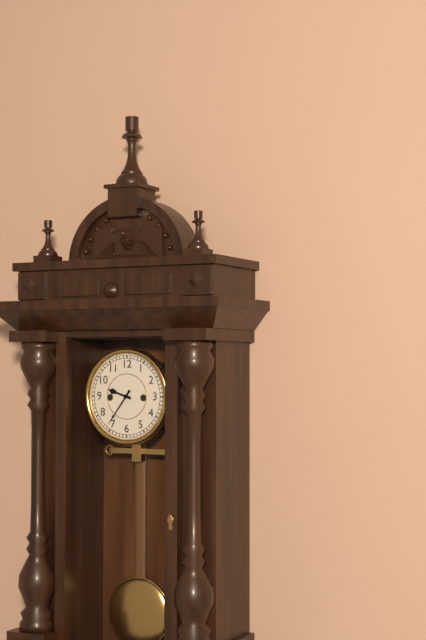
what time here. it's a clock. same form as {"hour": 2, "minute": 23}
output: {"hour": 9, "minute": 36}
